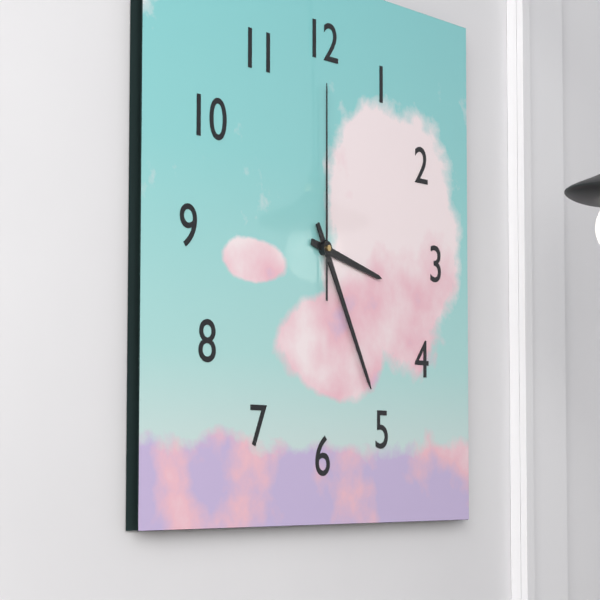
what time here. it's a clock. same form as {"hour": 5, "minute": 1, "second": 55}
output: {"hour": 3, "minute": 25, "second": 0}
